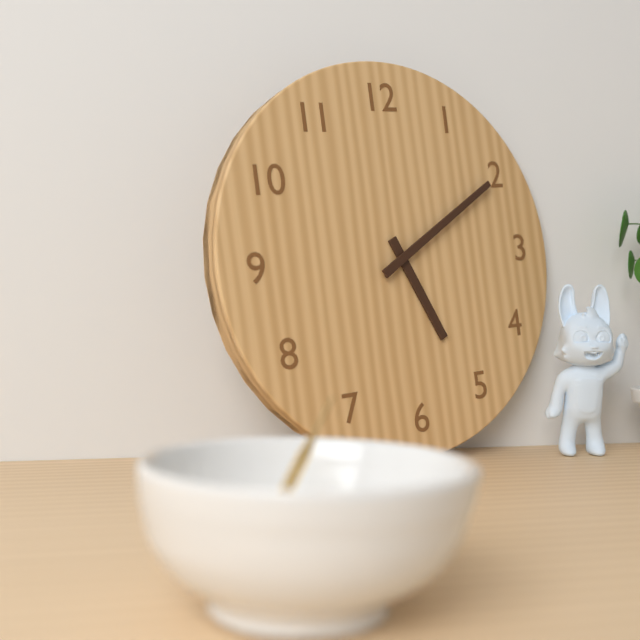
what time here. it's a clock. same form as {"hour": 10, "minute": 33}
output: {"hour": 5, "minute": 10}
